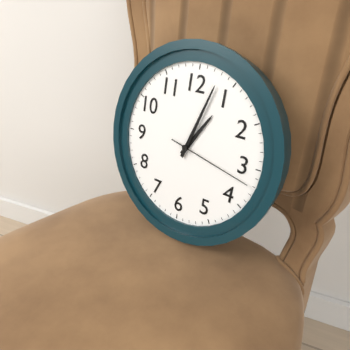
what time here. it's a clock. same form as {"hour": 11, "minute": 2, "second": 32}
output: {"hour": 1, "minute": 3, "second": 17}
